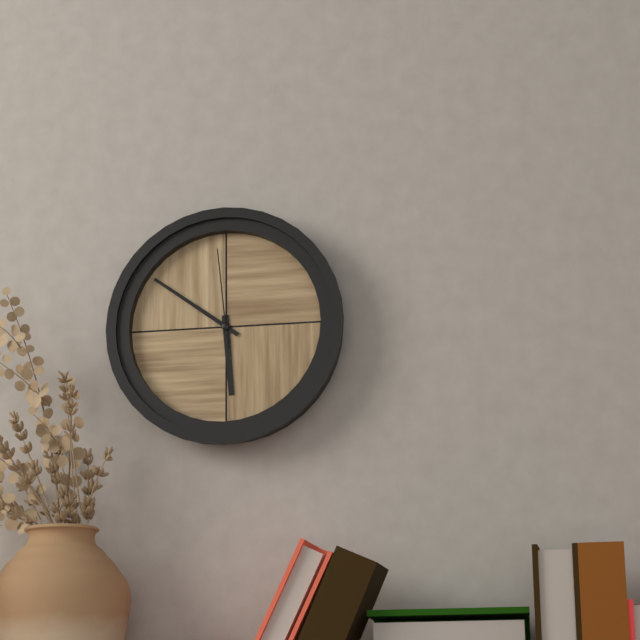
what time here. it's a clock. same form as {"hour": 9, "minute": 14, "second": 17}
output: {"hour": 5, "minute": 51, "second": 59}
